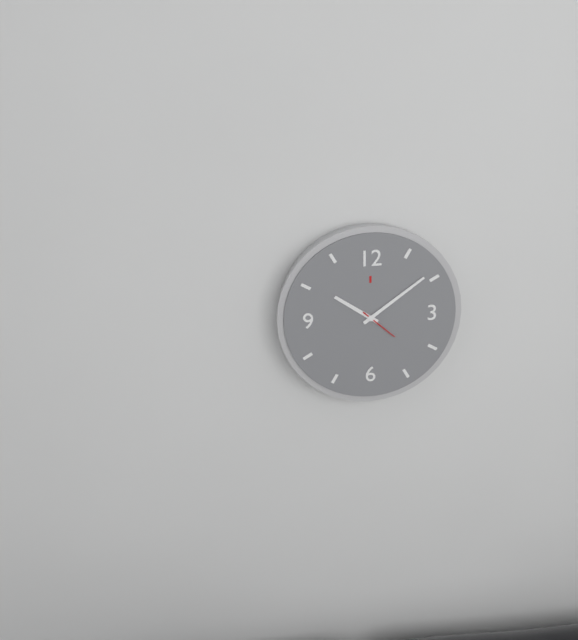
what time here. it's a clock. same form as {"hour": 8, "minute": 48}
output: {"hour": 10, "minute": 9}
